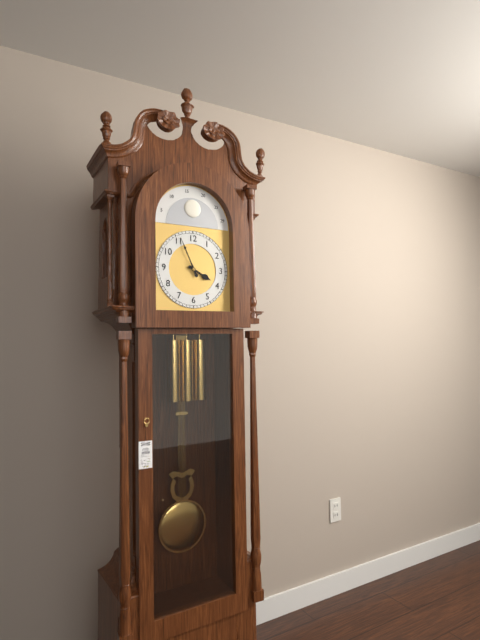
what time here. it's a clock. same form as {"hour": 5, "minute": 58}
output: {"hour": 3, "minute": 56}
